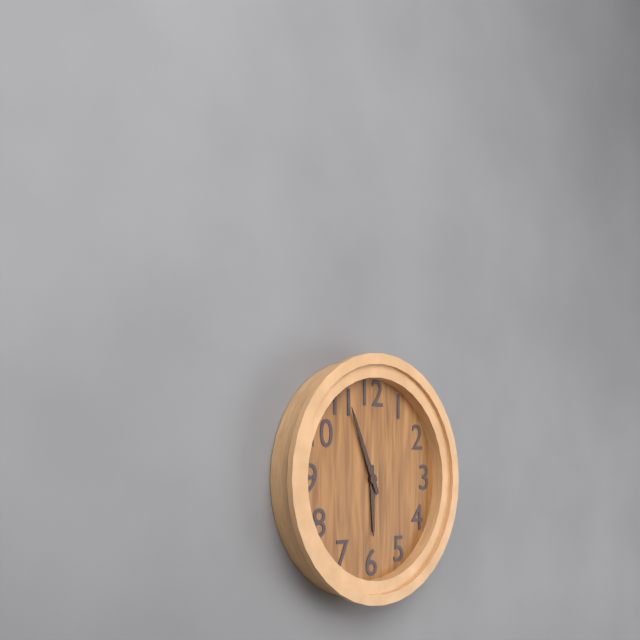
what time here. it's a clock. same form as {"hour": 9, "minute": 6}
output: {"hour": 5, "minute": 56}
